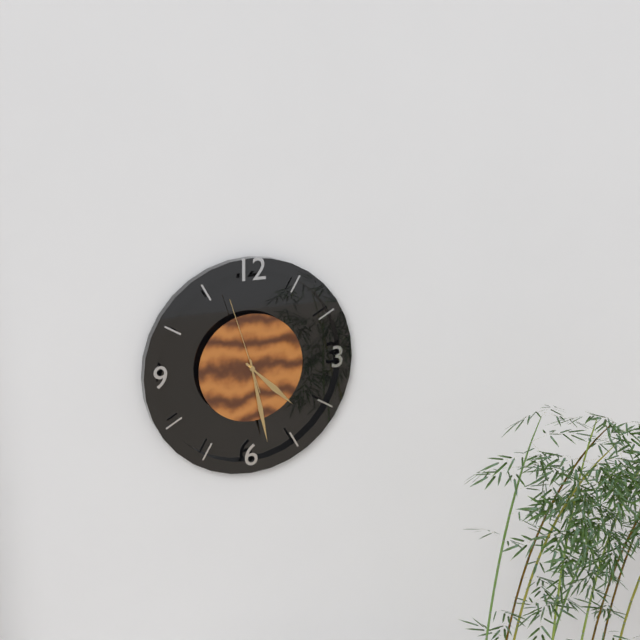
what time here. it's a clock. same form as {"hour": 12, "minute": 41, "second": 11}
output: {"hour": 4, "minute": 28, "second": 57}
